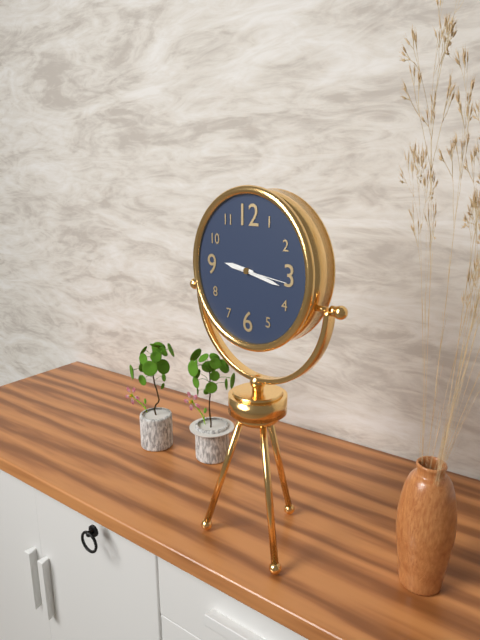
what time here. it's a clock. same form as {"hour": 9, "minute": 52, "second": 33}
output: {"hour": 9, "minute": 17, "second": 16}
